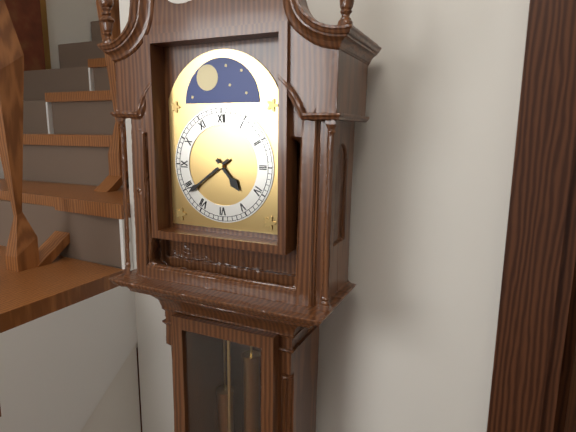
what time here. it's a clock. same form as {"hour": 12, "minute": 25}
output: {"hour": 4, "minute": 39}
